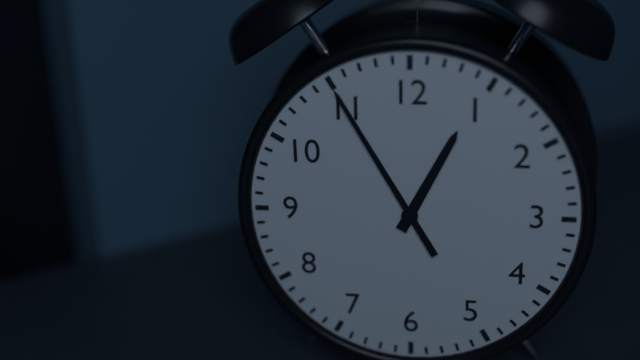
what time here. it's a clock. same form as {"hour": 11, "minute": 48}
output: {"hour": 12, "minute": 55}
